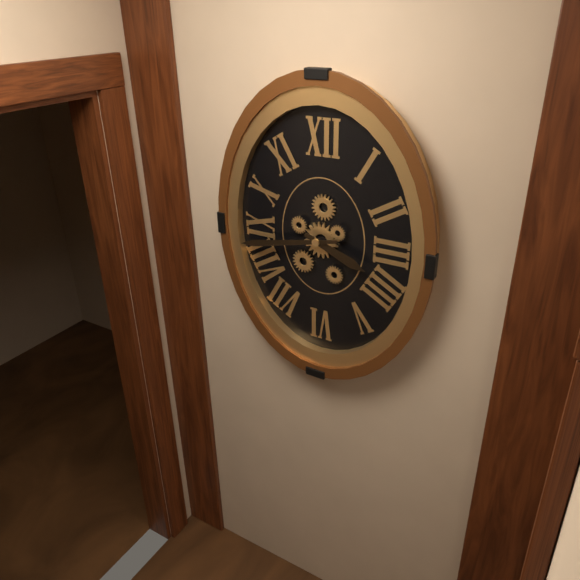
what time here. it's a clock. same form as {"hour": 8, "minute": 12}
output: {"hour": 3, "minute": 43}
